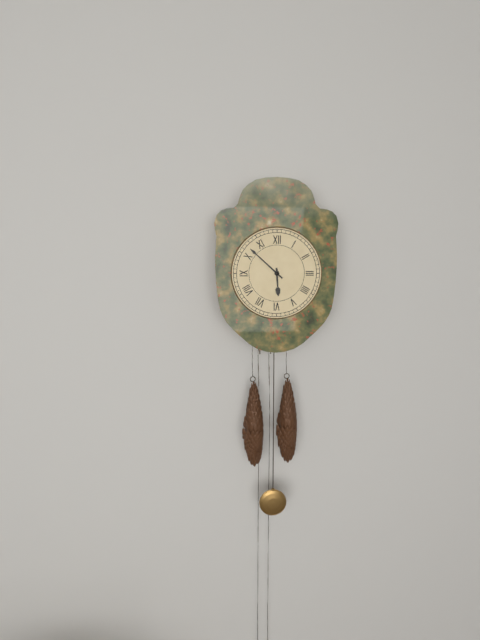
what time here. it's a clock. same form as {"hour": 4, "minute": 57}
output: {"hour": 5, "minute": 52}
